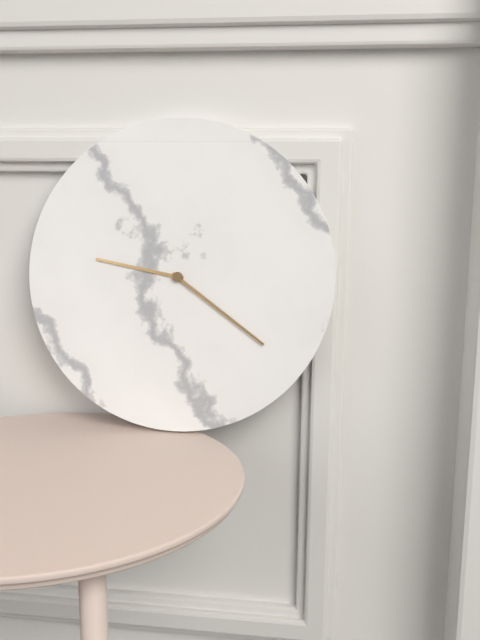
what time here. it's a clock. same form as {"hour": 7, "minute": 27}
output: {"hour": 9, "minute": 21}
